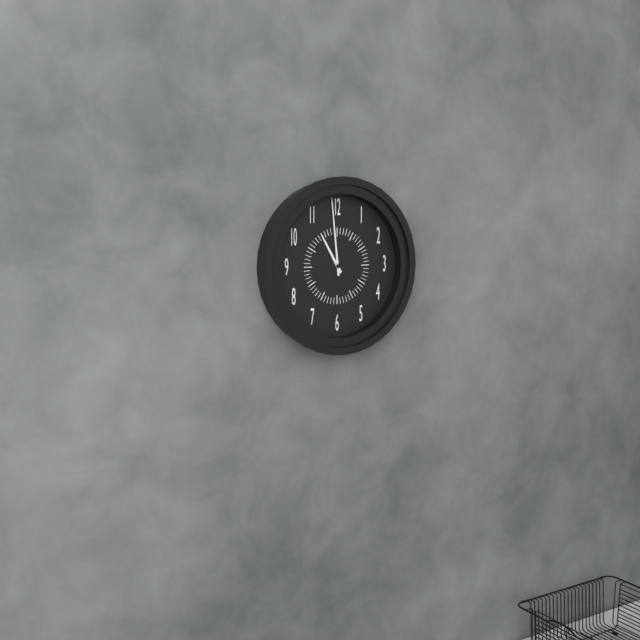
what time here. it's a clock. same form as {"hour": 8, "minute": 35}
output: {"hour": 10, "minute": 59}
